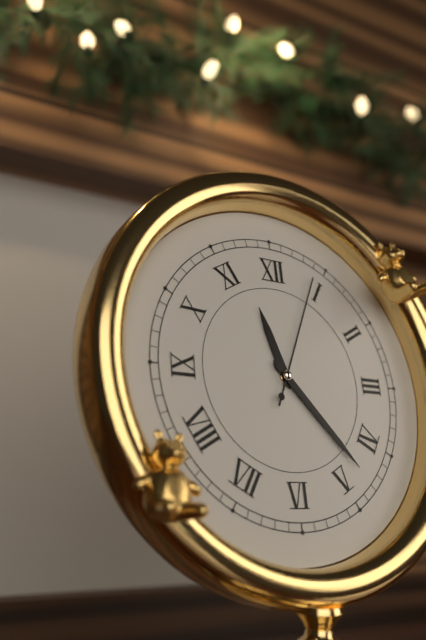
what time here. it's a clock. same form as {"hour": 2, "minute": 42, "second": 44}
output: {"hour": 11, "minute": 23, "second": 4}
